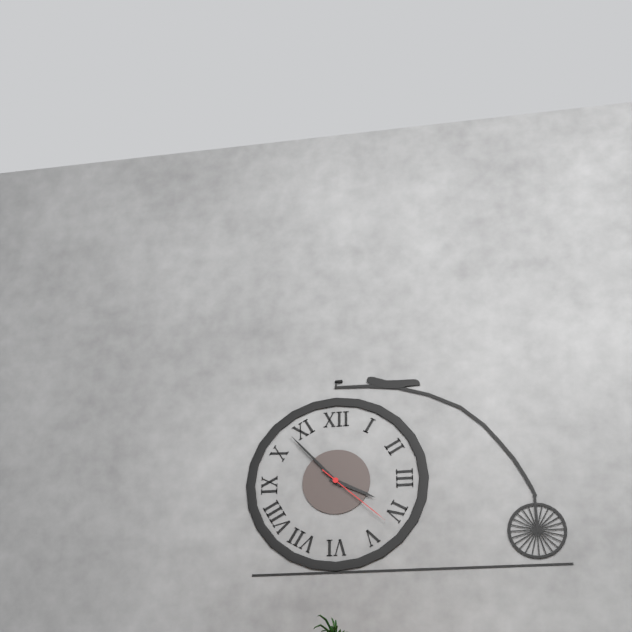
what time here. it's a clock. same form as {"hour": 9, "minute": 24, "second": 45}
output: {"hour": 3, "minute": 53, "second": 22}
